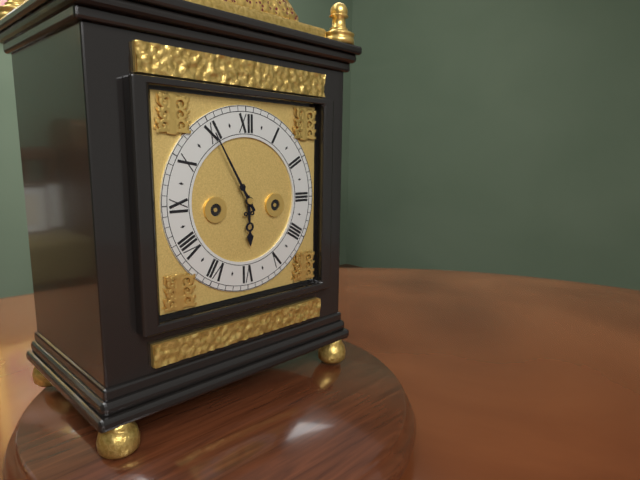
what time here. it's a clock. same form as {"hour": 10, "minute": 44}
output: {"hour": 5, "minute": 55}
